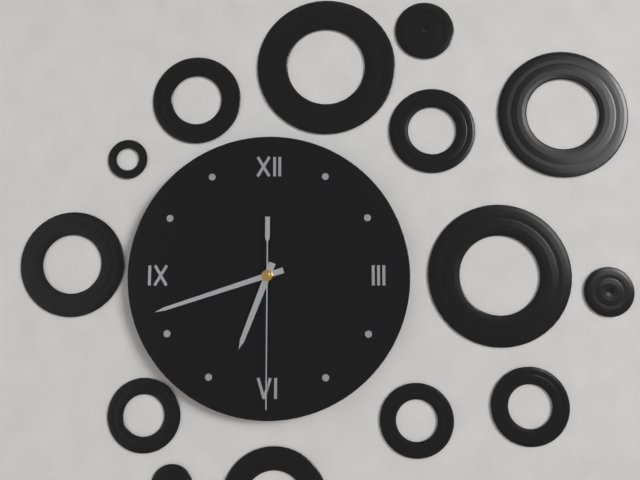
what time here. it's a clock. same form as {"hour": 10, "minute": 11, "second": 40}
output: {"hour": 6, "minute": 42, "second": 30}
